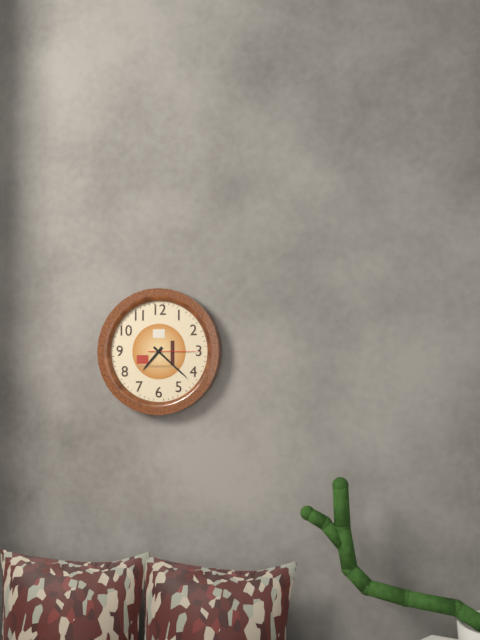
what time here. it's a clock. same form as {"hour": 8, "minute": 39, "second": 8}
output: {"hour": 7, "minute": 22, "second": 15}
